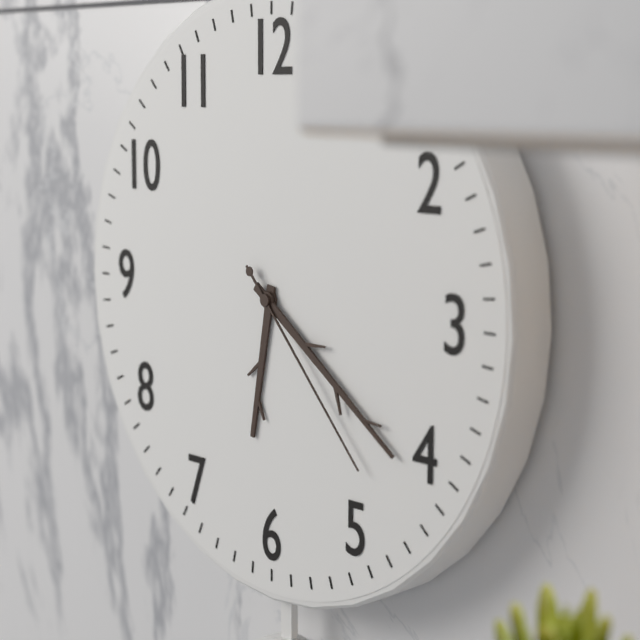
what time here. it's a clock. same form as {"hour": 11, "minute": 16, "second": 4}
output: {"hour": 6, "minute": 21, "second": 23}
